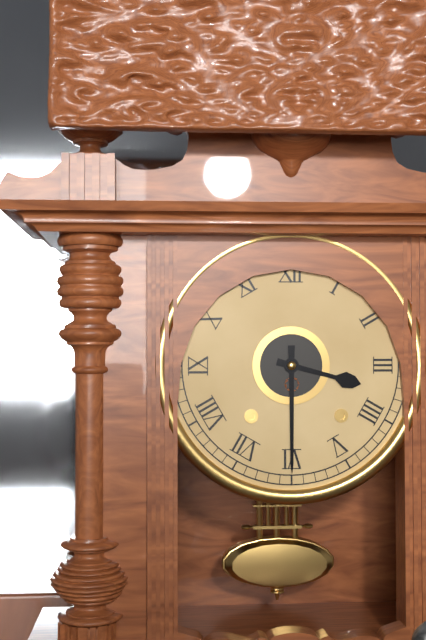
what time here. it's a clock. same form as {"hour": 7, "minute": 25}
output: {"hour": 3, "minute": 30}
